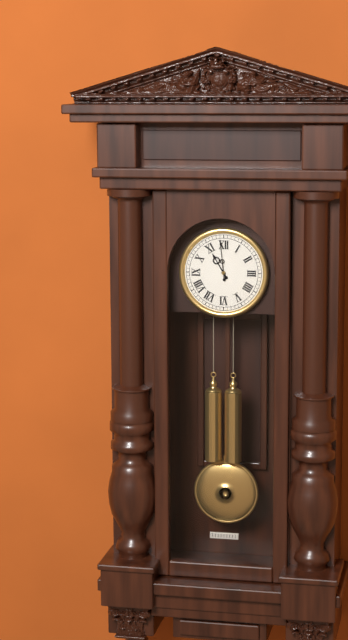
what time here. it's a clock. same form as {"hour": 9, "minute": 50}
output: {"hour": 10, "minute": 59}
